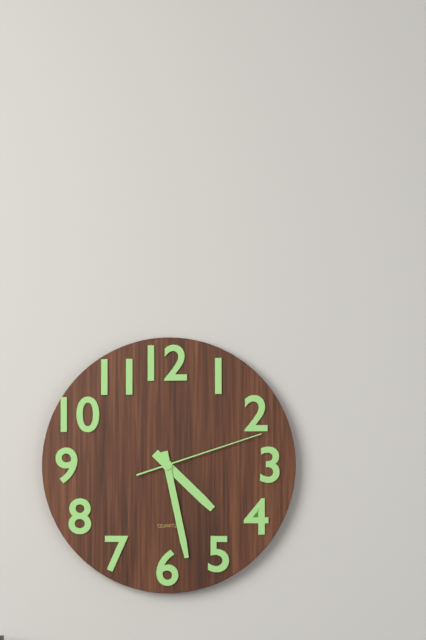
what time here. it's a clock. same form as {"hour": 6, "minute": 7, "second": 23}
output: {"hour": 4, "minute": 28, "second": 12}
